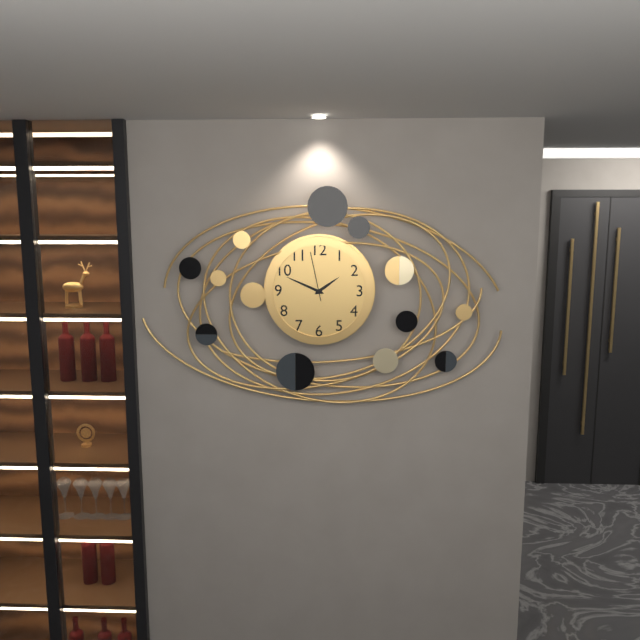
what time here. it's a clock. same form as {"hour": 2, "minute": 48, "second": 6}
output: {"hour": 1, "minute": 49, "second": 58}
